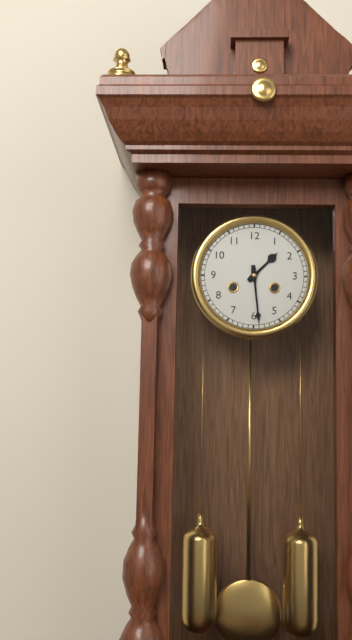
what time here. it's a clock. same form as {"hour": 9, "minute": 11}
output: {"hour": 1, "minute": 29}
